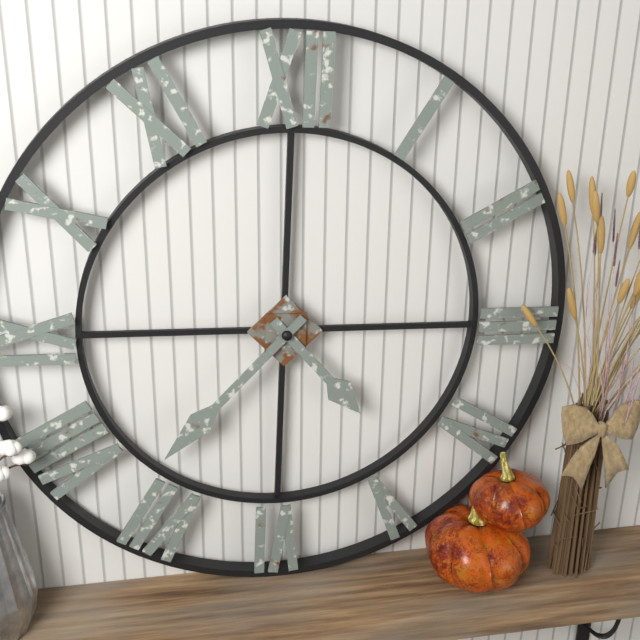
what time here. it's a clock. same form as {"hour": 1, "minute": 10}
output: {"hour": 4, "minute": 37}
